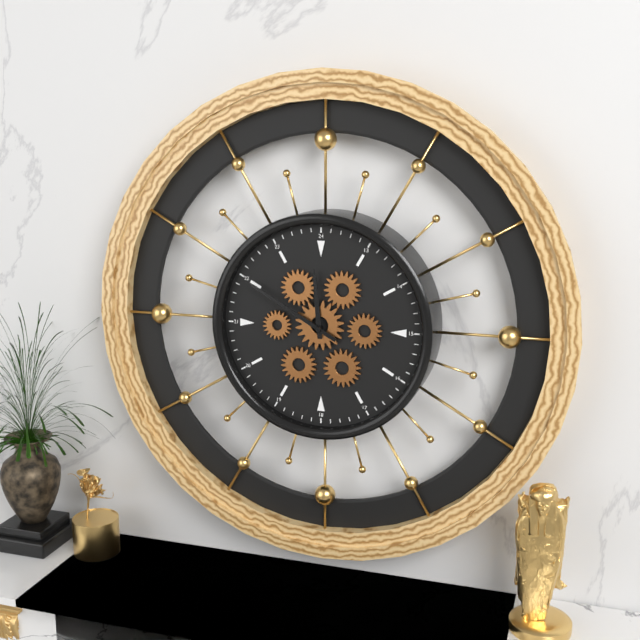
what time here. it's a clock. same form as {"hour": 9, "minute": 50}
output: {"hour": 11, "minute": 50}
